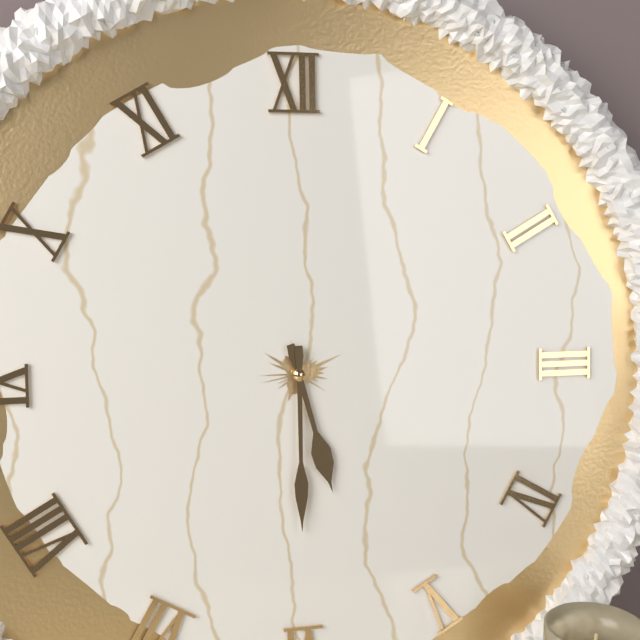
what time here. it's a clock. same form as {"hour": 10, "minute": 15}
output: {"hour": 5, "minute": 30}
